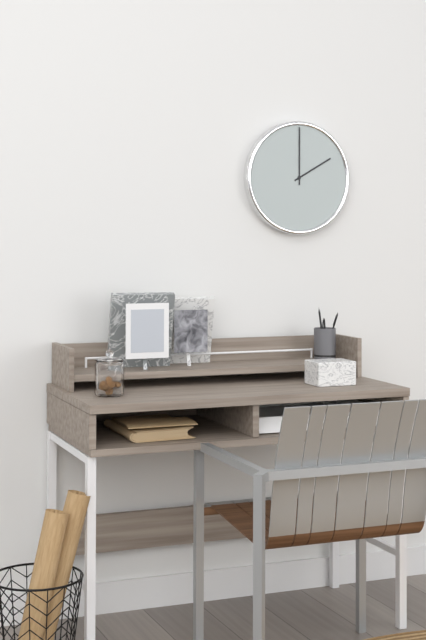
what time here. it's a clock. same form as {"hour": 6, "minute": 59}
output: {"hour": 2, "minute": 0}
